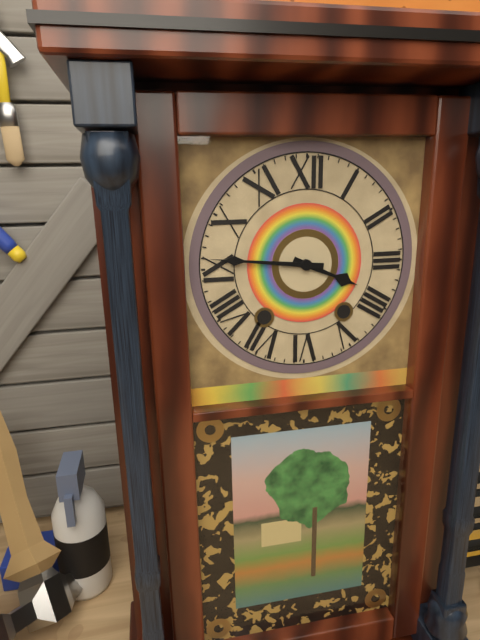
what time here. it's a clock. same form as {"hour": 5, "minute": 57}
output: {"hour": 3, "minute": 46}
